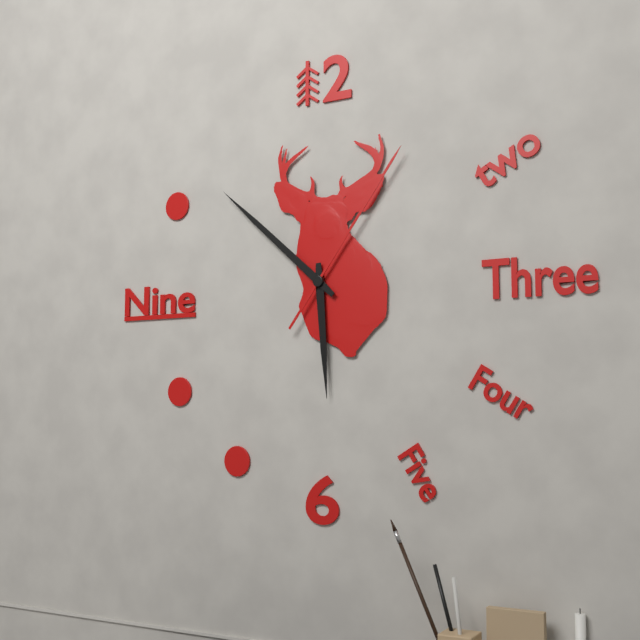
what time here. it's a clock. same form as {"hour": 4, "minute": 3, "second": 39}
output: {"hour": 5, "minute": 52, "second": 6}
